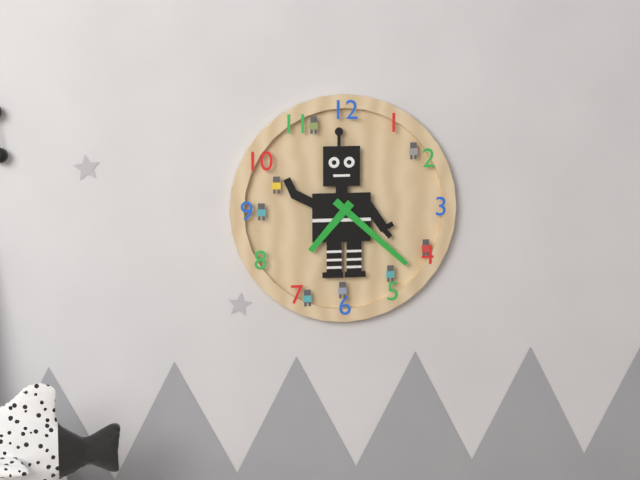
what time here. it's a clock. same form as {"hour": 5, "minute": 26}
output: {"hour": 7, "minute": 22}
